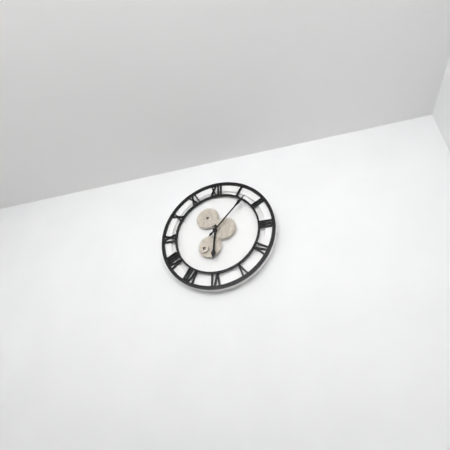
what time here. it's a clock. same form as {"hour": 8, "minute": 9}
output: {"hour": 6, "minute": 7}
